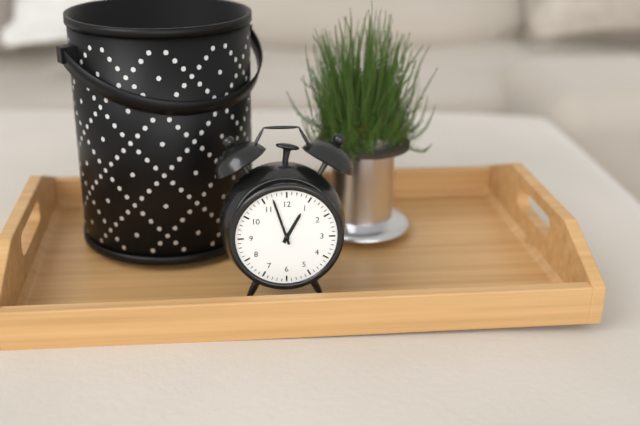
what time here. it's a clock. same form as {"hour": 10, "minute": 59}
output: {"hour": 12, "minute": 57}
